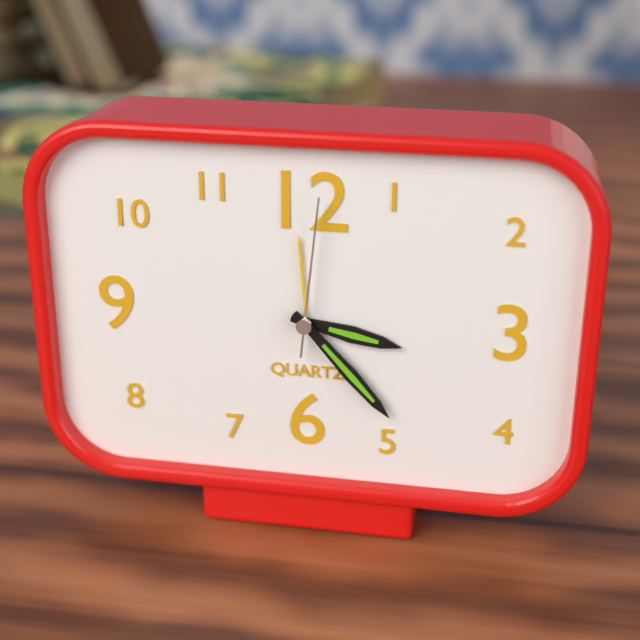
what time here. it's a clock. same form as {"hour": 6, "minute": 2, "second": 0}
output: {"hour": 3, "minute": 23, "second": 1}
